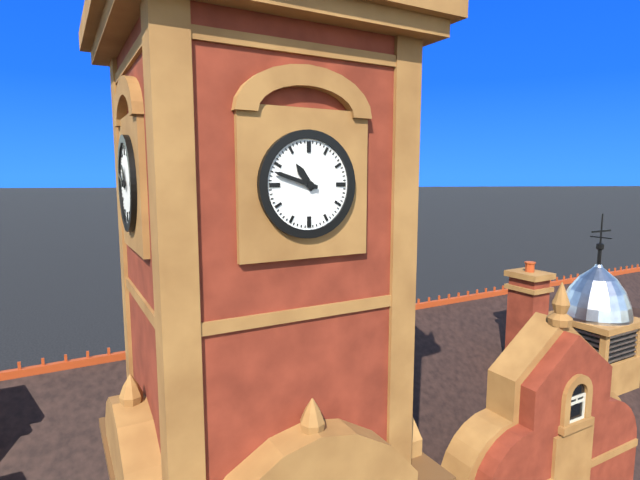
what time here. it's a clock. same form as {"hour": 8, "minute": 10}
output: {"hour": 10, "minute": 48}
